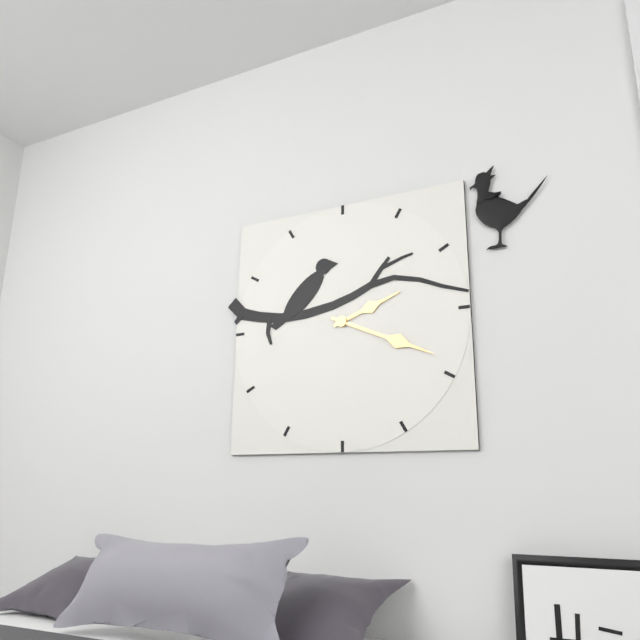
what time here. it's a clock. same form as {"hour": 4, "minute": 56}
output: {"hour": 2, "minute": 19}
